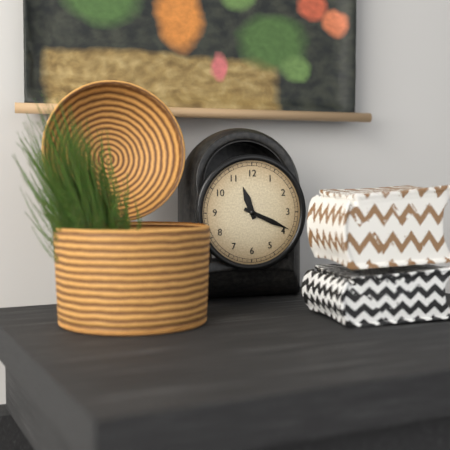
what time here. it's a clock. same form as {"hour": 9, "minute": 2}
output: {"hour": 11, "minute": 19}
